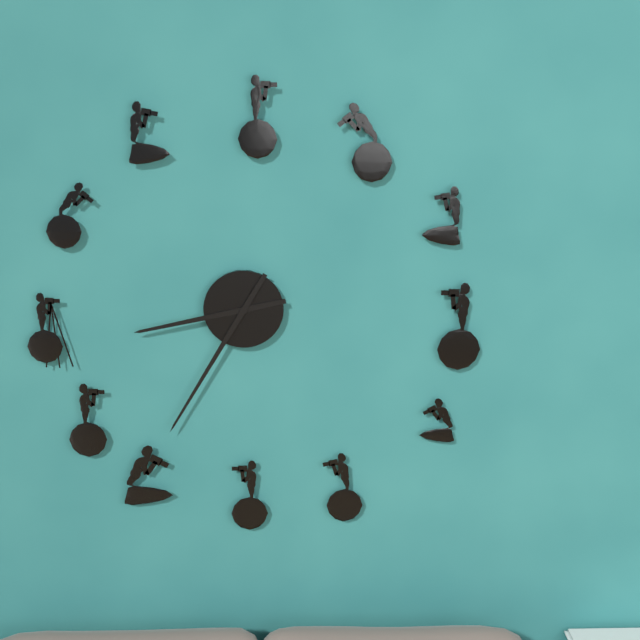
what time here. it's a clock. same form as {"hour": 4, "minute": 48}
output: {"hour": 8, "minute": 35}
